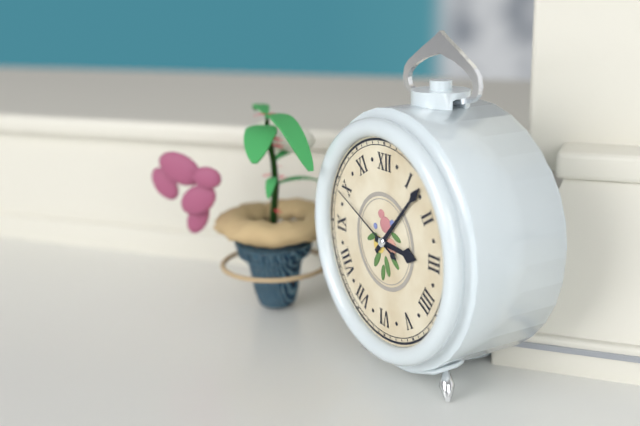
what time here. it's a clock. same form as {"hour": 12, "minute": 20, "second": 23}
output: {"hour": 3, "minute": 7, "second": 49}
